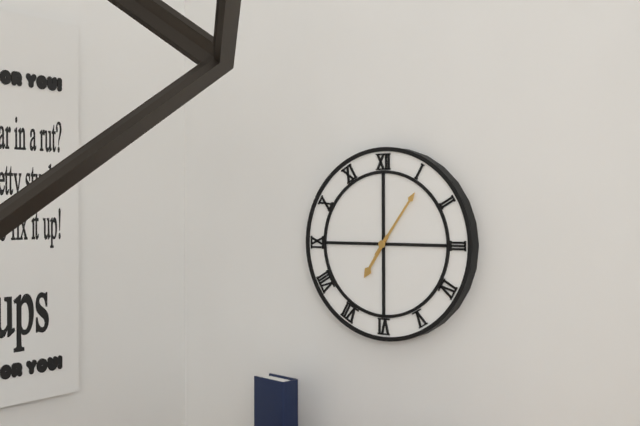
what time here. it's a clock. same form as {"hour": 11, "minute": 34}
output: {"hour": 7, "minute": 6}
